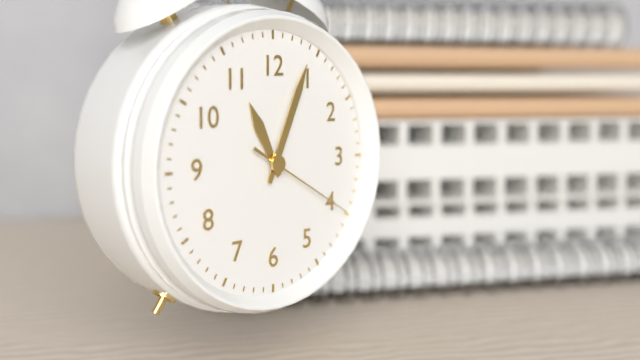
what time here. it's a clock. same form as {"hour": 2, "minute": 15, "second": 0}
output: {"hour": 11, "minute": 4, "second": 20}
